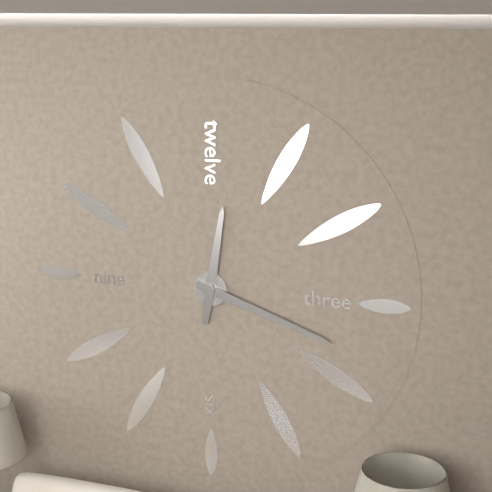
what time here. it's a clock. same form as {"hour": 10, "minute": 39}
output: {"hour": 12, "minute": 18}
